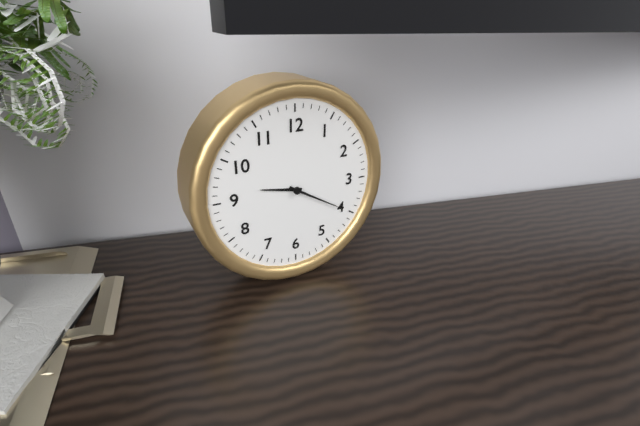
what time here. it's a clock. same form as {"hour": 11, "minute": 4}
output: {"hour": 9, "minute": 20}
